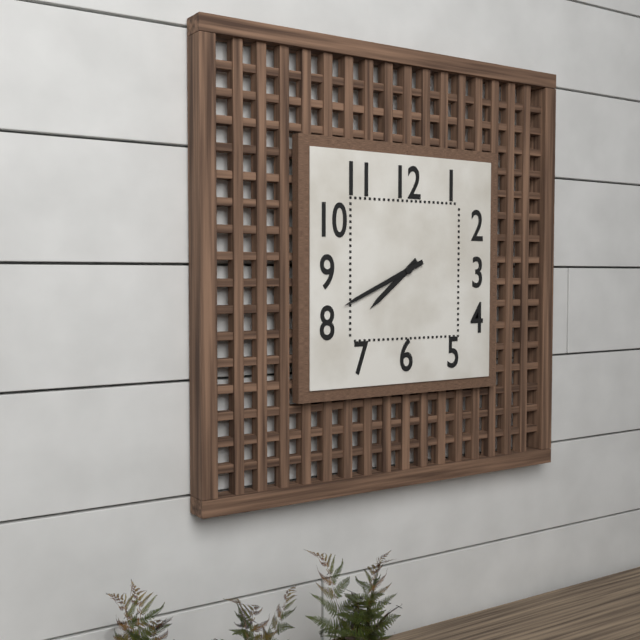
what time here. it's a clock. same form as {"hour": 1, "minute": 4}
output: {"hour": 7, "minute": 41}
